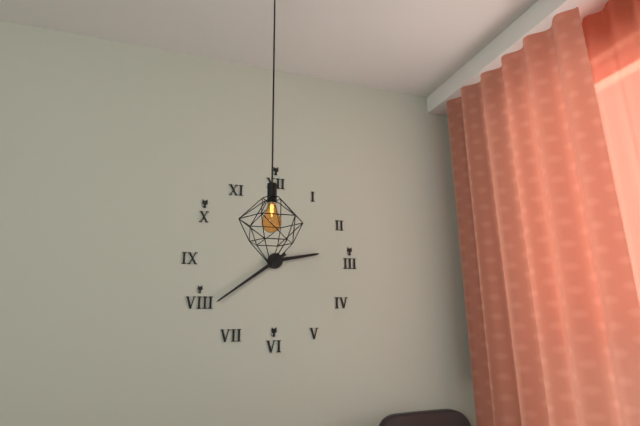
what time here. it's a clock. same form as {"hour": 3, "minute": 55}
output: {"hour": 2, "minute": 39}
